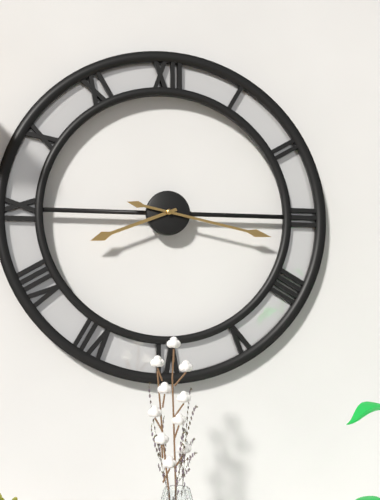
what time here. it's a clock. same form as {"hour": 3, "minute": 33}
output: {"hour": 8, "minute": 17}
